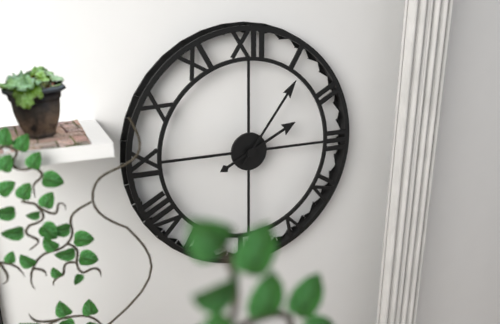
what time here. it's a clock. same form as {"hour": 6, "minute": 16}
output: {"hour": 2, "minute": 6}
